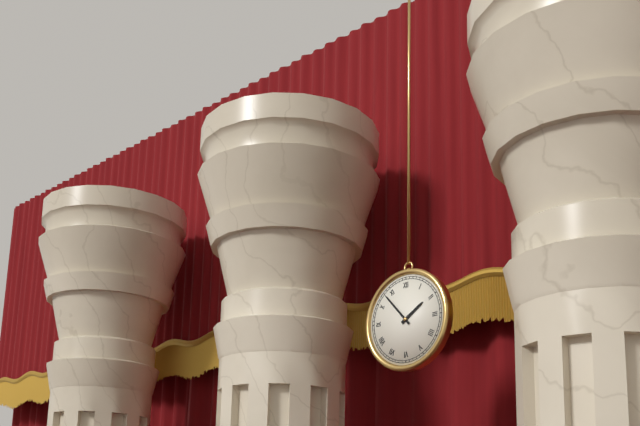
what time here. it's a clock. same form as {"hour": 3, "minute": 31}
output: {"hour": 1, "minute": 53}
